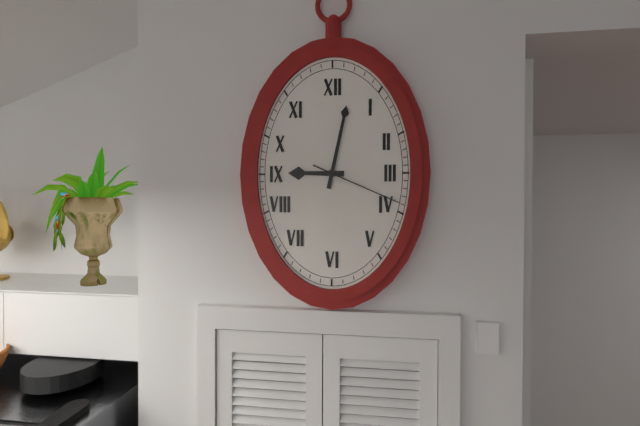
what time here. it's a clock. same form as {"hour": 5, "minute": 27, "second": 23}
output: {"hour": 9, "minute": 2, "second": 19}
